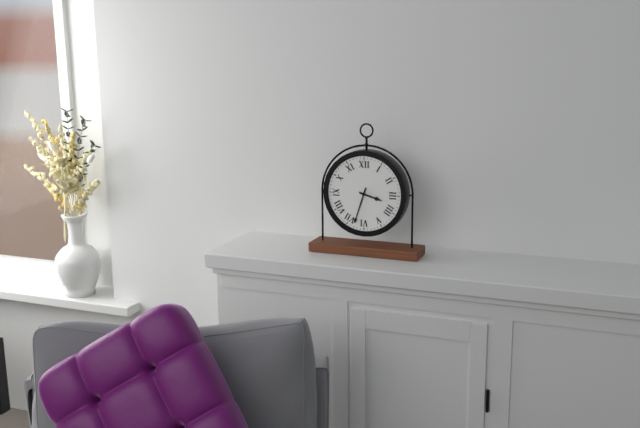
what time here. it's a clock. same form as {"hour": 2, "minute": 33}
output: {"hour": 3, "minute": 33}
